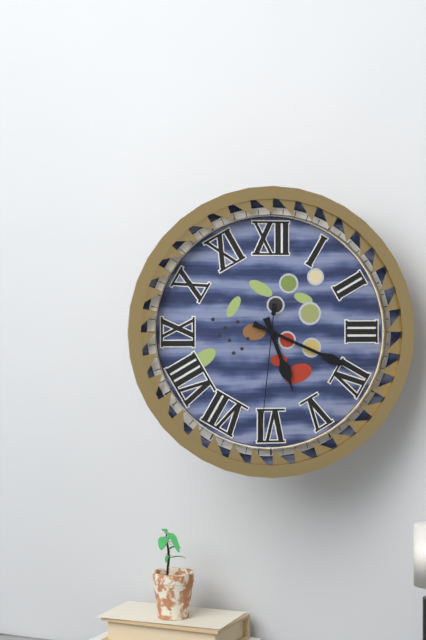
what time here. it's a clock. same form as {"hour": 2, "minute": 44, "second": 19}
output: {"hour": 5, "minute": 19, "second": 31}
